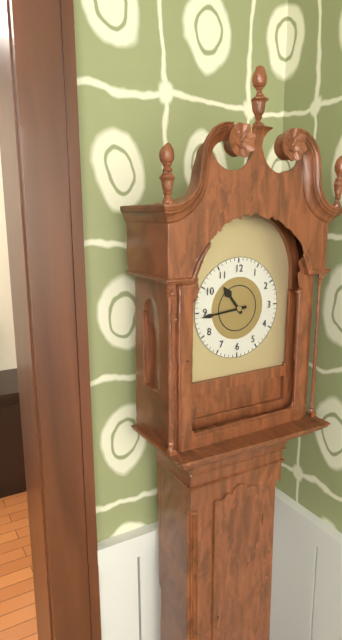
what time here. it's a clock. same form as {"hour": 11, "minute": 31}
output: {"hour": 10, "minute": 44}
